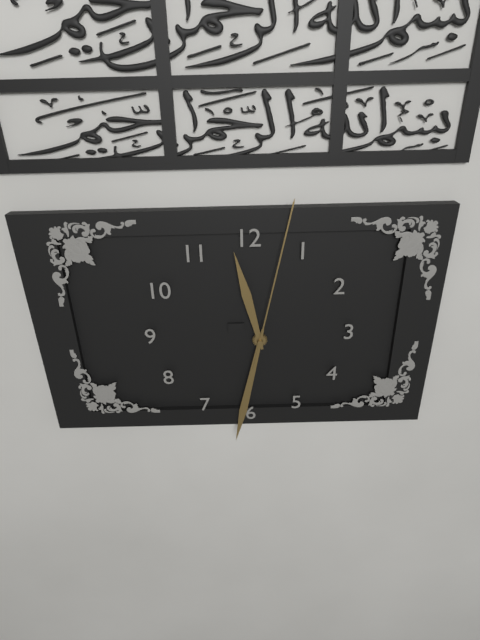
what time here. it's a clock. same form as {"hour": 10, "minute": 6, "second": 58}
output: {"hour": 11, "minute": 32, "second": 2}
